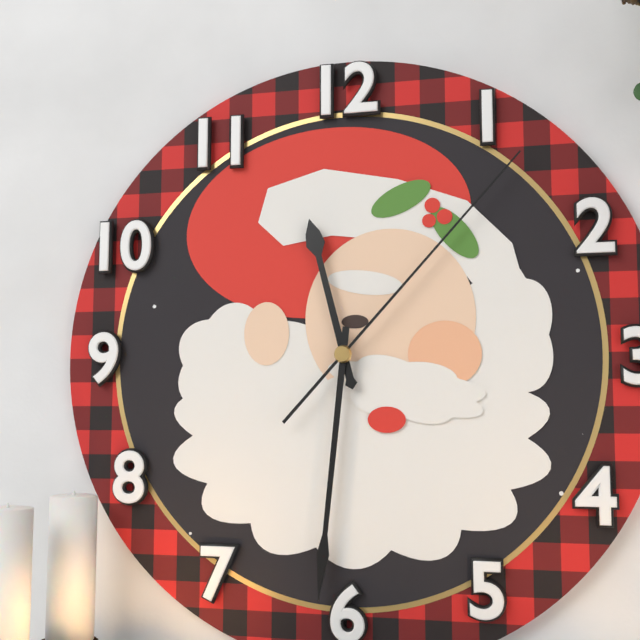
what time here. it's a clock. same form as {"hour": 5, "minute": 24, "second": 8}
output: {"hour": 11, "minute": 31, "second": 7}
